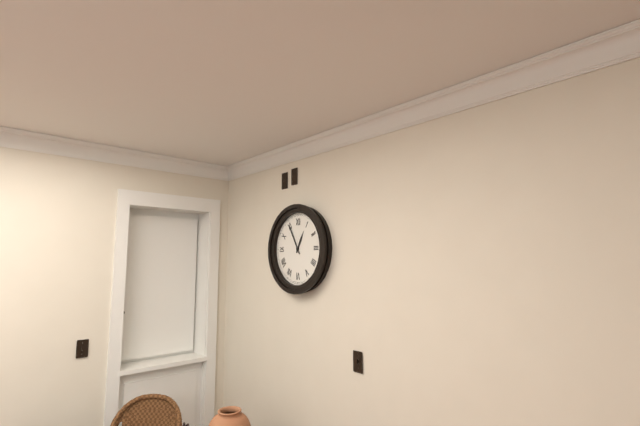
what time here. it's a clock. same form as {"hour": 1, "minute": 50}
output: {"hour": 12, "minute": 55}
